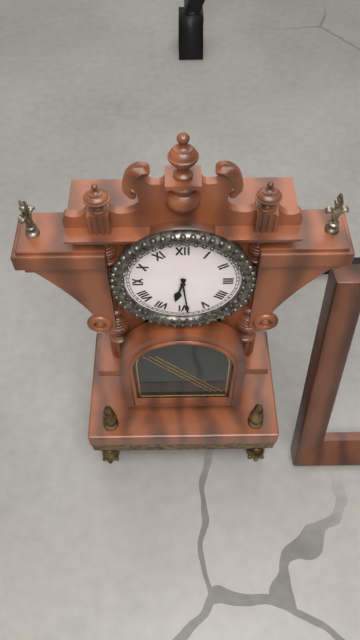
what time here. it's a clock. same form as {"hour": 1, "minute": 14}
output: {"hour": 6, "minute": 29}
